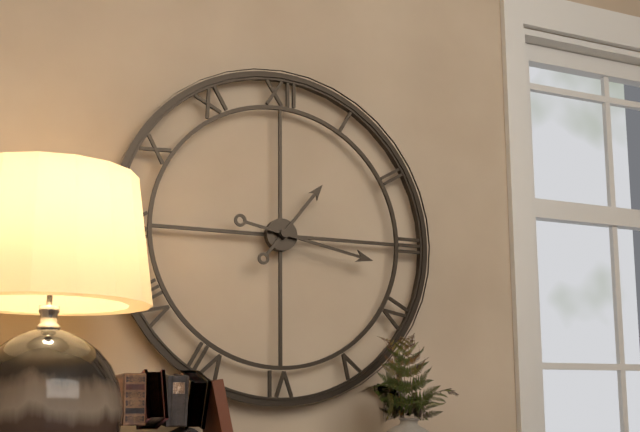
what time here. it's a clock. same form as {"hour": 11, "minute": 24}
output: {"hour": 1, "minute": 17}
